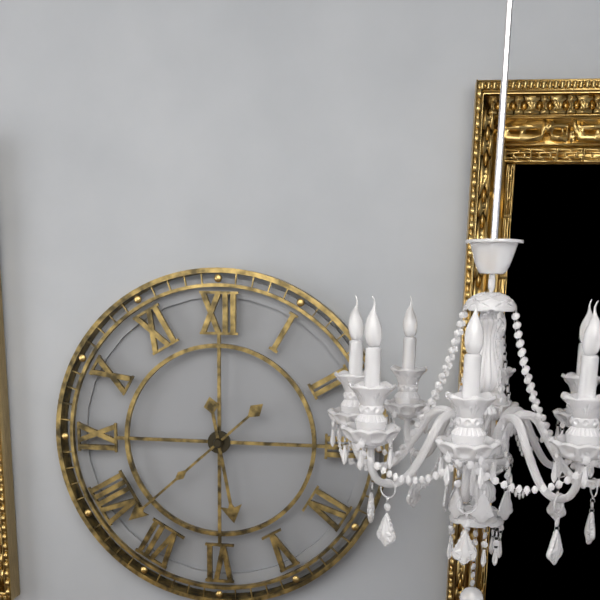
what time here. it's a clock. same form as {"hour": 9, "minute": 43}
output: {"hour": 5, "minute": 38}
